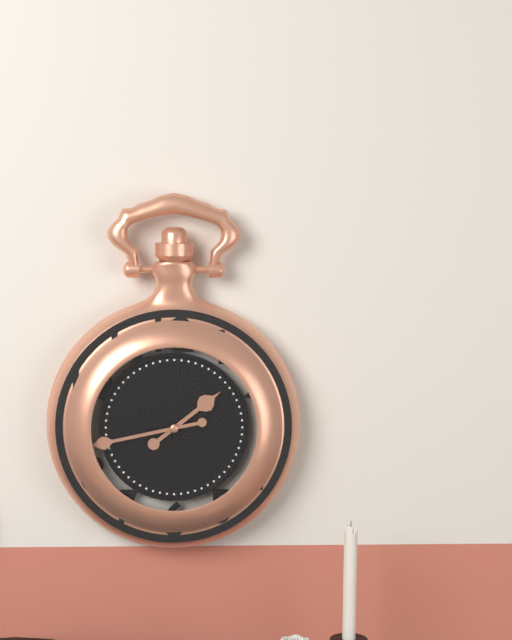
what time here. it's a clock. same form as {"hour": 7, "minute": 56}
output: {"hour": 1, "minute": 43}
